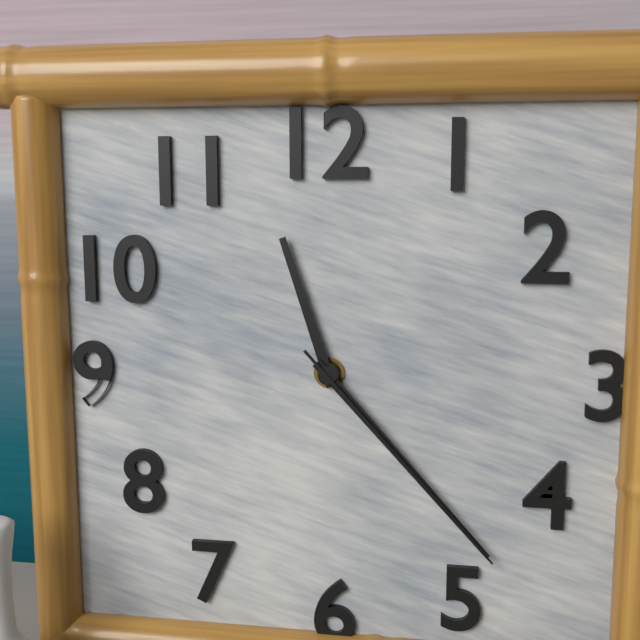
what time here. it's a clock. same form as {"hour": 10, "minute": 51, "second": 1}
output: {"hour": 11, "minute": 23, "second": 23}
